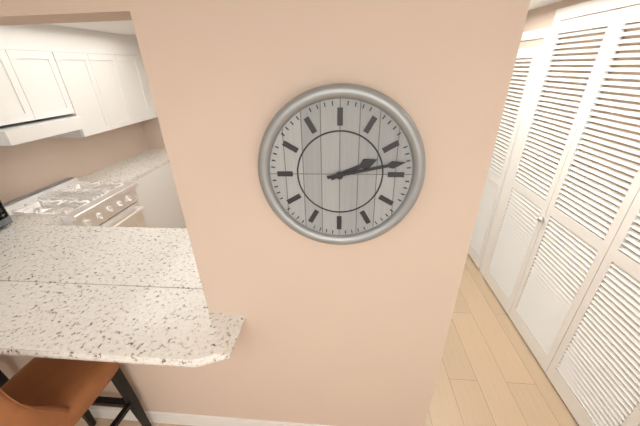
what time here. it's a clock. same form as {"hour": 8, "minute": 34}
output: {"hour": 2, "minute": 13}
